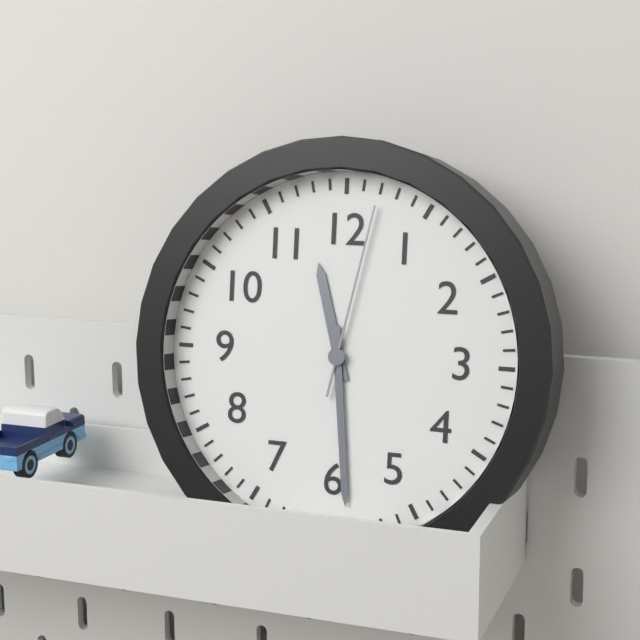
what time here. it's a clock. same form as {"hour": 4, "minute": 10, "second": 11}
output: {"hour": 11, "minute": 29, "second": 2}
